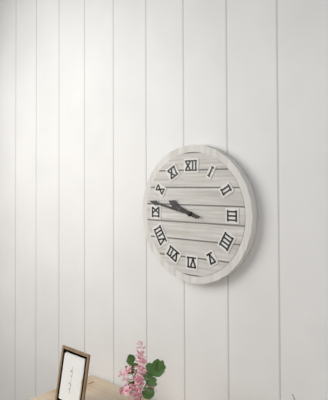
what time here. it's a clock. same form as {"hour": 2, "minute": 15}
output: {"hour": 9, "minute": 47}
